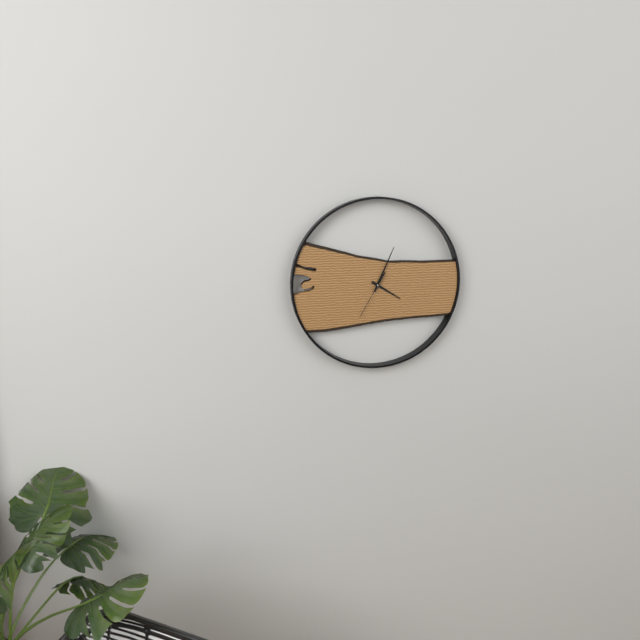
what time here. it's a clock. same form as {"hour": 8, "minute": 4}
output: {"hour": 4, "minute": 4}
